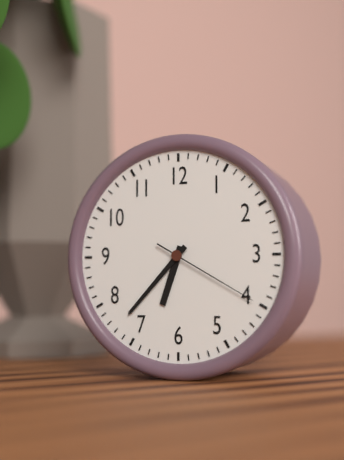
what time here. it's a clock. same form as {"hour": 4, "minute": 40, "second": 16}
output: {"hour": 6, "minute": 37, "second": 20}
